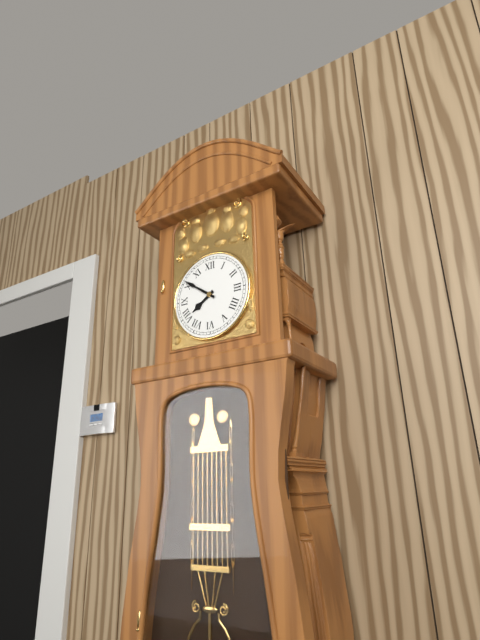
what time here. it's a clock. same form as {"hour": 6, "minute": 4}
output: {"hour": 7, "minute": 51}
